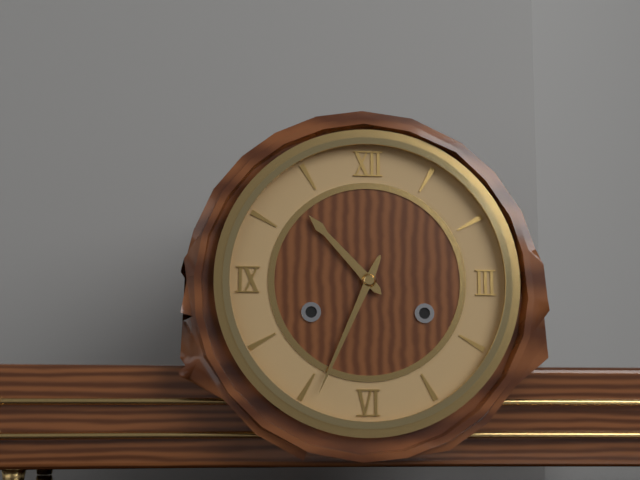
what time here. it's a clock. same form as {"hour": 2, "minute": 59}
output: {"hour": 10, "minute": 34}
